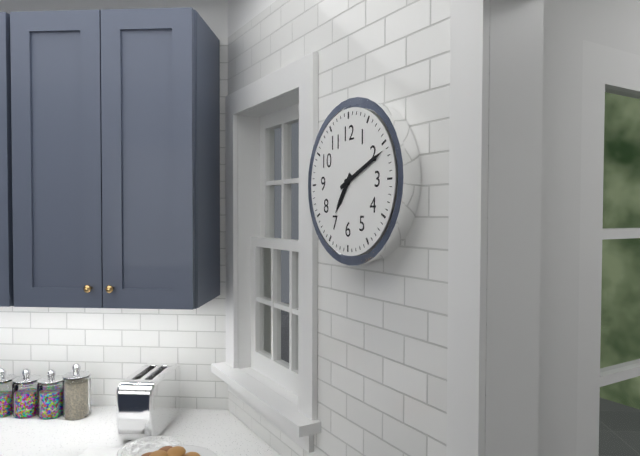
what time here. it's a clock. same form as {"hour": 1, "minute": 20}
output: {"hour": 7, "minute": 11}
